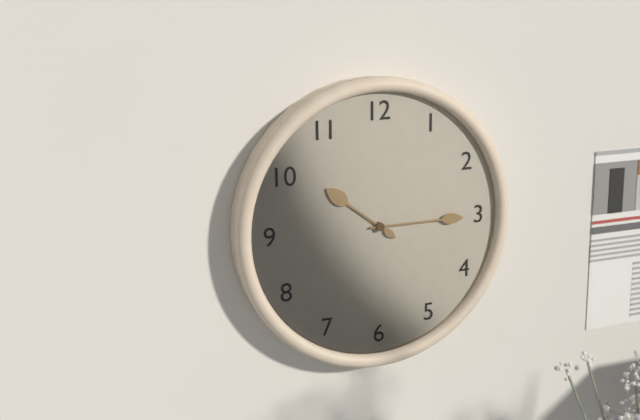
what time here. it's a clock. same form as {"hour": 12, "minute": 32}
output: {"hour": 10, "minute": 15}
